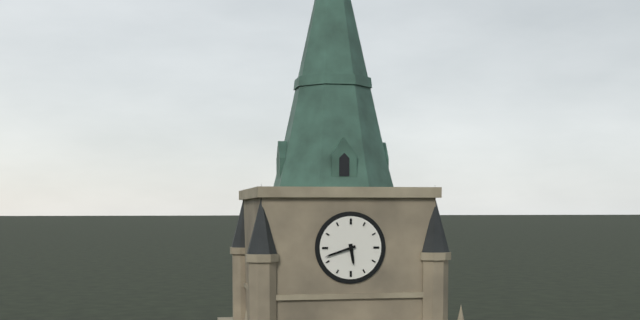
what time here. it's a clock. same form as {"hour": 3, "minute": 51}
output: {"hour": 5, "minute": 42}
